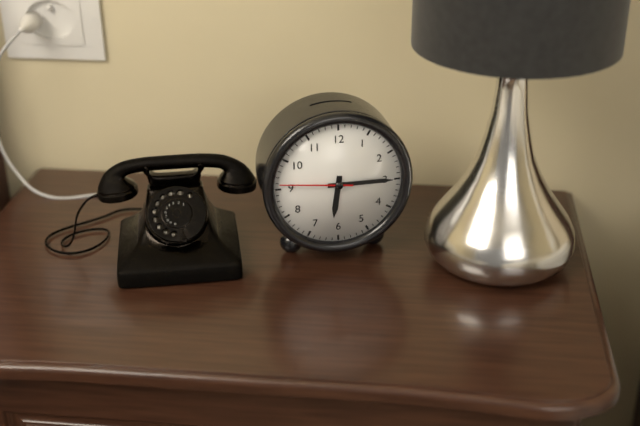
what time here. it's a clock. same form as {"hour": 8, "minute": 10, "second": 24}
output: {"hour": 6, "minute": 15, "second": 46}
